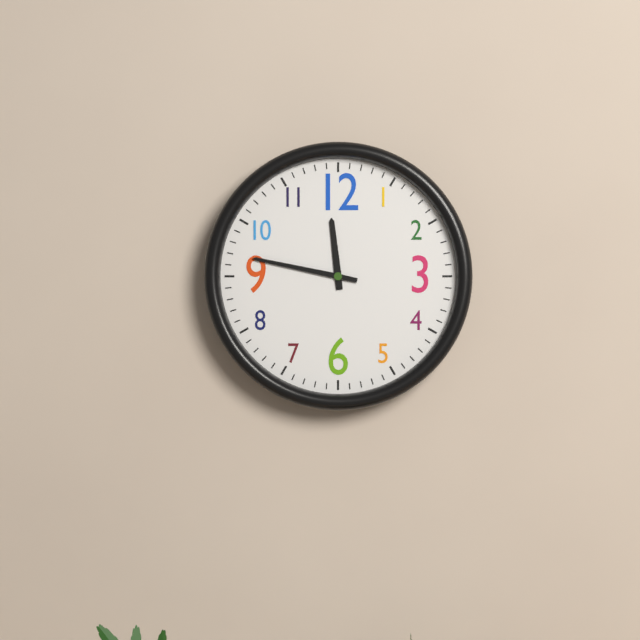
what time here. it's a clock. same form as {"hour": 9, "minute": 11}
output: {"hour": 11, "minute": 47}
